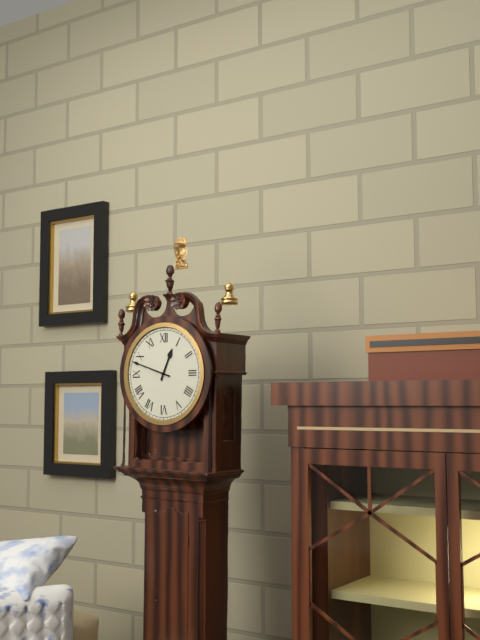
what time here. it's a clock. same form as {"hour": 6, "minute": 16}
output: {"hour": 12, "minute": 48}
